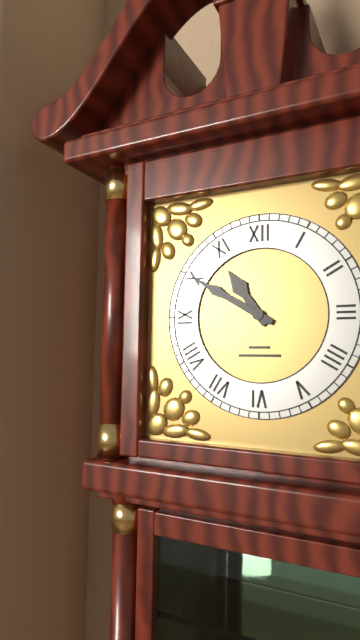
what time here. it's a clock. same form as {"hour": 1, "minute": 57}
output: {"hour": 10, "minute": 50}
